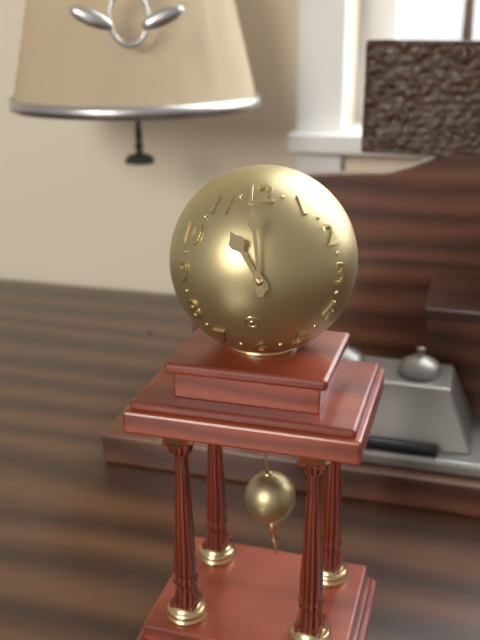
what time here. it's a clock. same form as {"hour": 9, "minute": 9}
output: {"hour": 10, "minute": 59}
